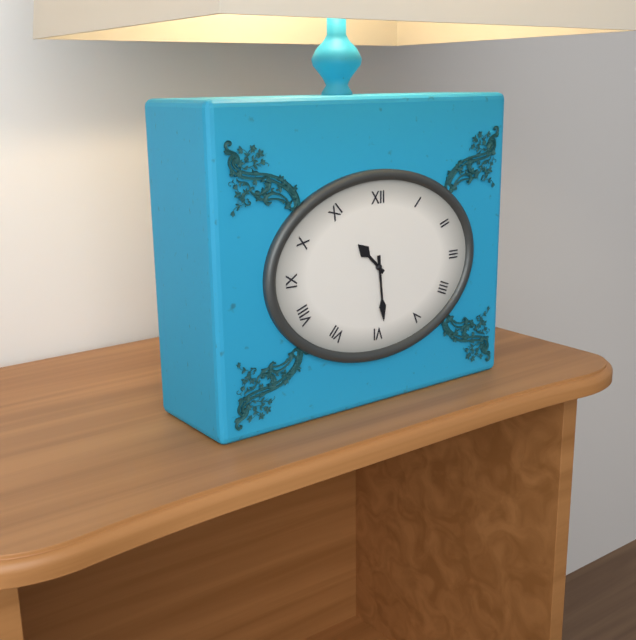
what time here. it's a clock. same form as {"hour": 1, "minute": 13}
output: {"hour": 10, "minute": 29}
